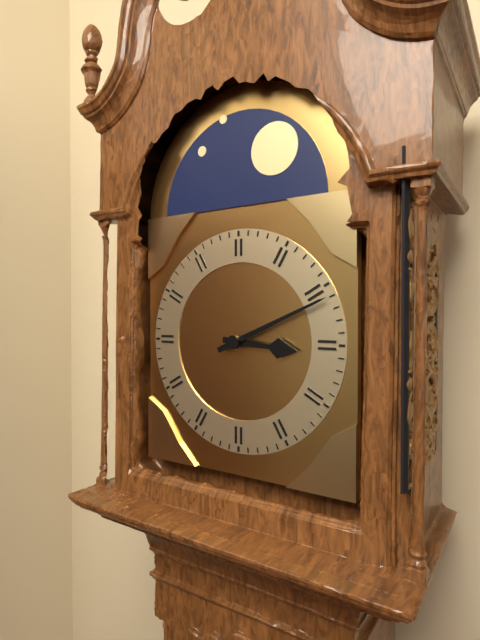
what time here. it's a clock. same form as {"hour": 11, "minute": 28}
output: {"hour": 3, "minute": 11}
